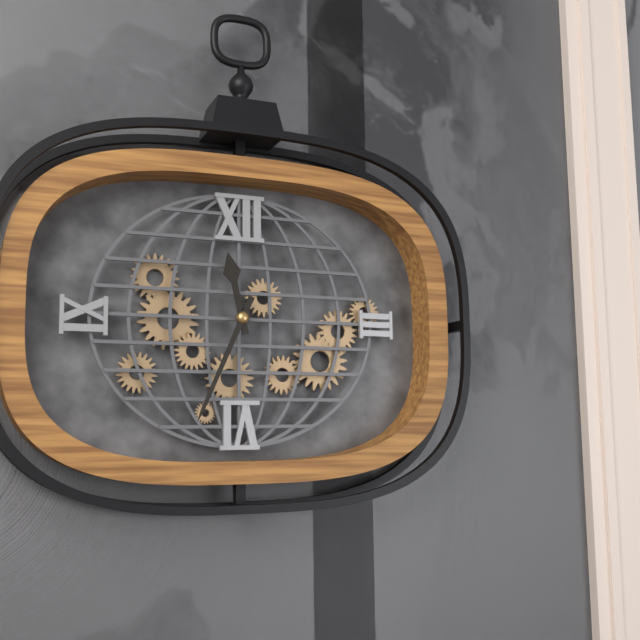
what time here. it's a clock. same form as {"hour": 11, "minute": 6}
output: {"hour": 11, "minute": 34}
